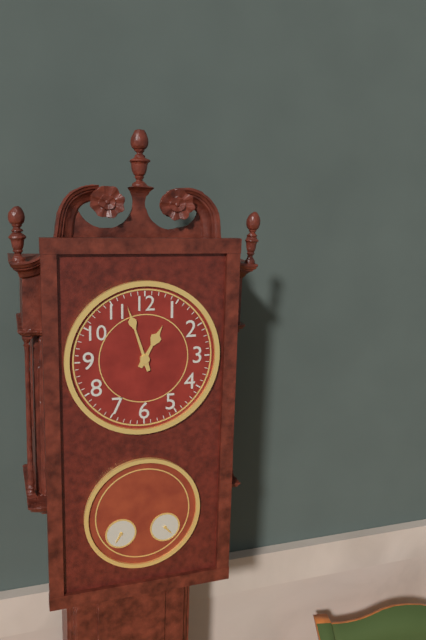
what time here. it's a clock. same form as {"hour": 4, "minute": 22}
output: {"hour": 12, "minute": 57}
